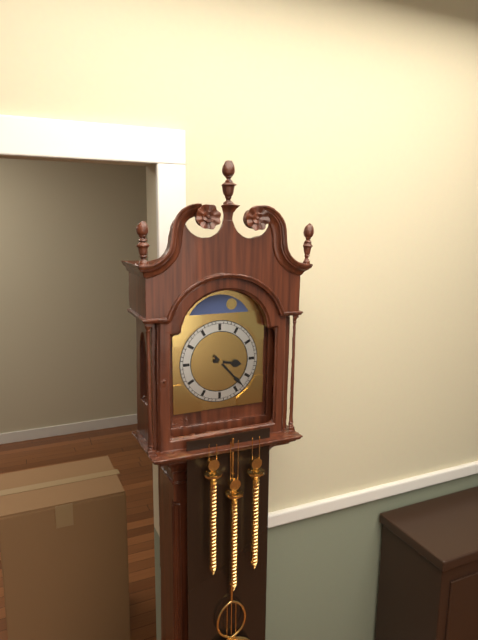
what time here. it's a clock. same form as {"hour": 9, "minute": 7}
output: {"hour": 3, "minute": 23}
